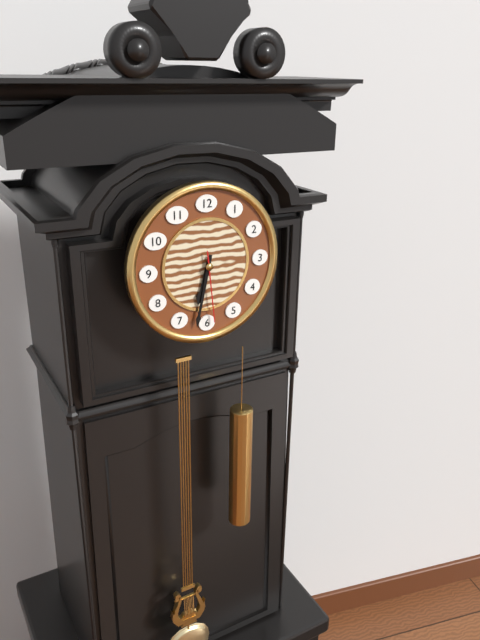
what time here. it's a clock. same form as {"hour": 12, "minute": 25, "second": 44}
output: {"hour": 6, "minute": 32, "second": 29}
